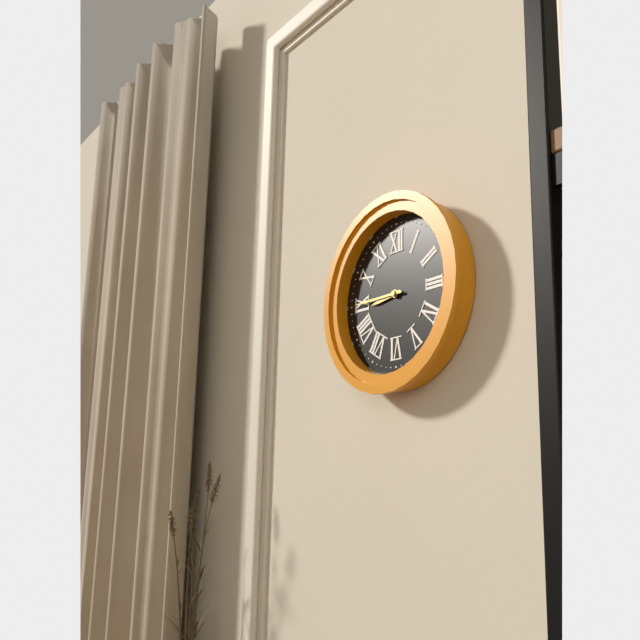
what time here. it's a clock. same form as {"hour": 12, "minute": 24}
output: {"hour": 8, "minute": 45}
